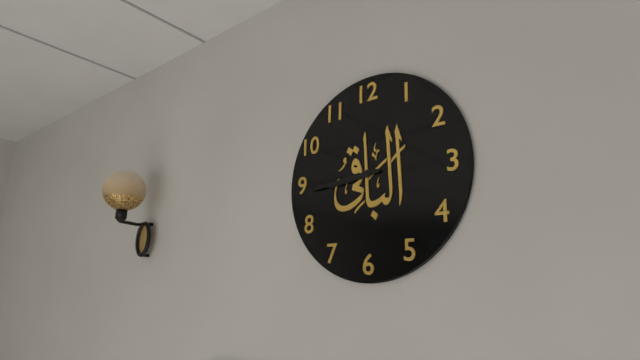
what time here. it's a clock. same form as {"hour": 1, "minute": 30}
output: {"hour": 8, "minute": 44}
